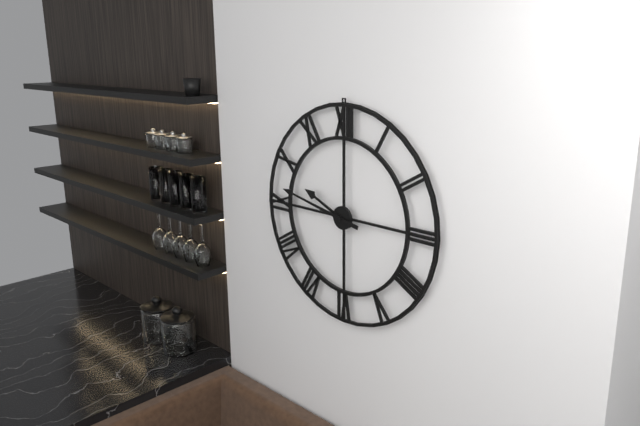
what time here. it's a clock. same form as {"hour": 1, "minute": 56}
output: {"hour": 9, "minute": 47}
